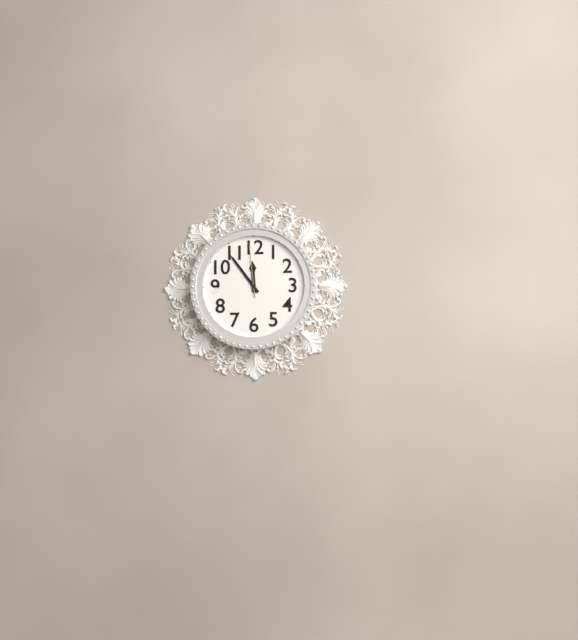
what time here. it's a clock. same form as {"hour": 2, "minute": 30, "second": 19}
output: {"hour": 11, "minute": 54, "second": 59}
